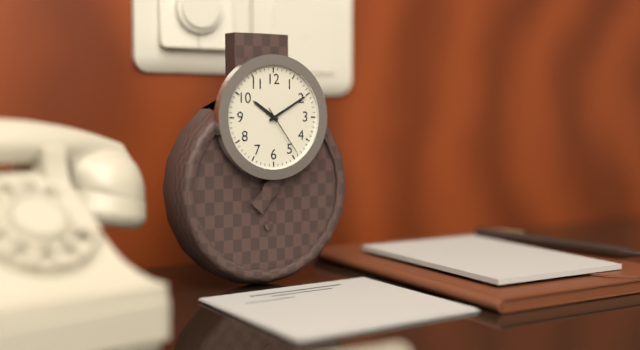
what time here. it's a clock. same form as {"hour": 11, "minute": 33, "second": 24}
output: {"hour": 10, "minute": 10, "second": 24}
